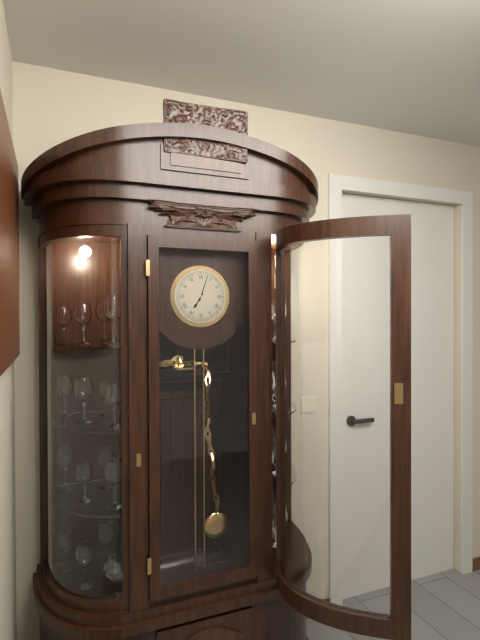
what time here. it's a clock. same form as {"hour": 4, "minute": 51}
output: {"hour": 7, "minute": 3}
